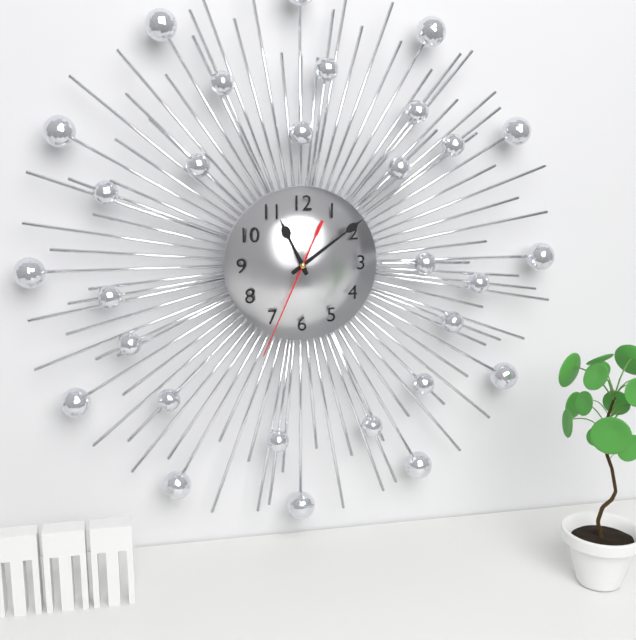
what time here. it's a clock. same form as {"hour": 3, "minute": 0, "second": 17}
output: {"hour": 11, "minute": 9, "second": 34}
